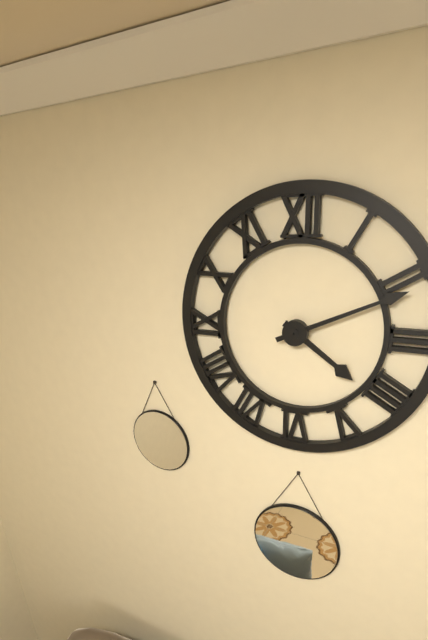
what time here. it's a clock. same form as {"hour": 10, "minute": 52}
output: {"hour": 4, "minute": 11}
